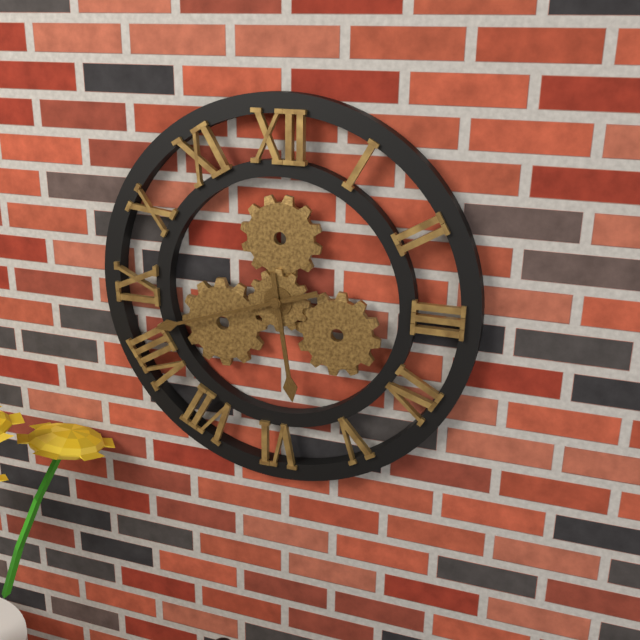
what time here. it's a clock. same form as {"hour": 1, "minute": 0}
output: {"hour": 5, "minute": 42}
